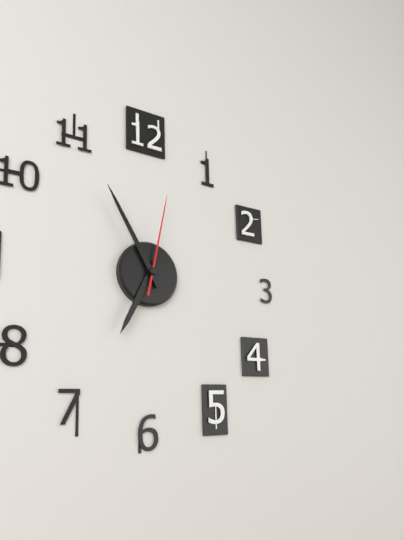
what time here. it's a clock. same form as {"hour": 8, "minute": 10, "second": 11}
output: {"hour": 6, "minute": 55, "second": 2}
